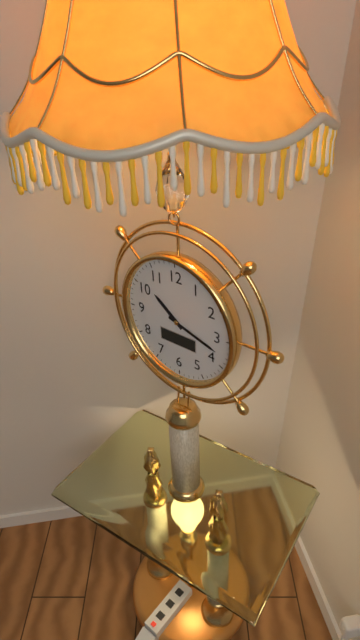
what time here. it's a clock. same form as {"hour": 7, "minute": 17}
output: {"hour": 10, "minute": 18}
